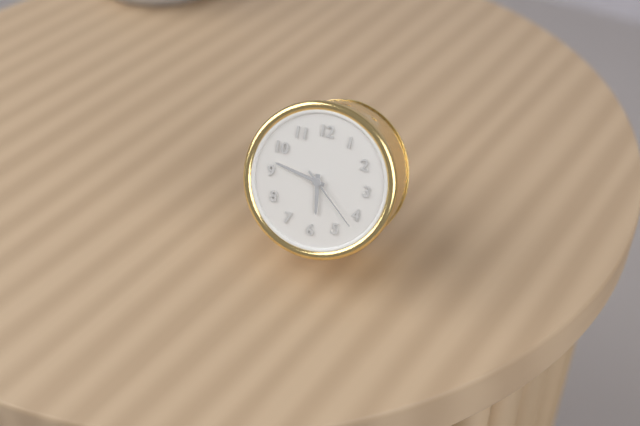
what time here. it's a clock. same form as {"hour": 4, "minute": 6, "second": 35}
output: {"hour": 5, "minute": 47, "second": 22}
